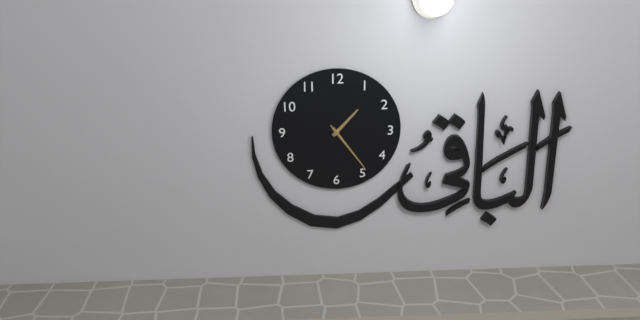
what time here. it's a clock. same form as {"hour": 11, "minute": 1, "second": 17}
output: {"hour": 1, "minute": 24, "second": 24}
